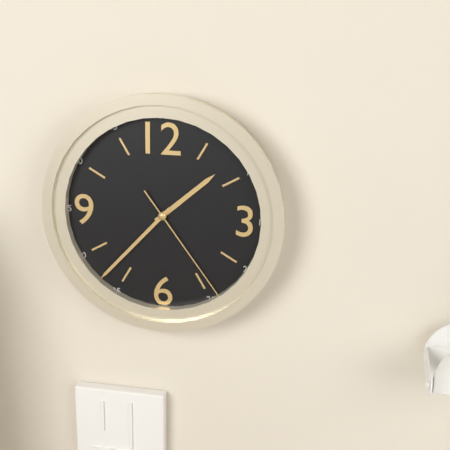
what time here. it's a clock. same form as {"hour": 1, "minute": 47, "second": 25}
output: {"hour": 1, "minute": 37, "second": 24}
